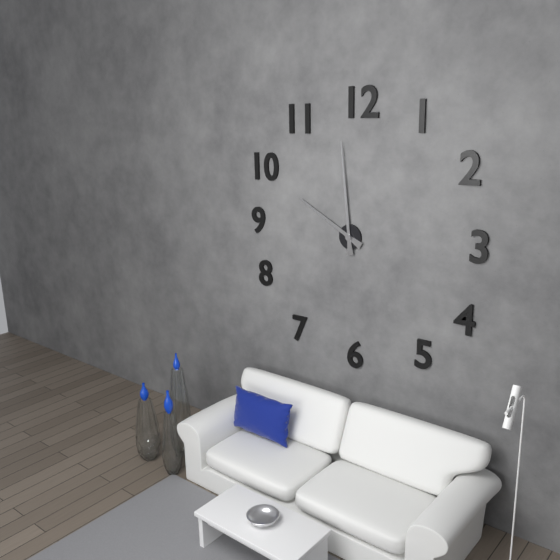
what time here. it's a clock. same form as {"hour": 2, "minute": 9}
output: {"hour": 9, "minute": 59}
